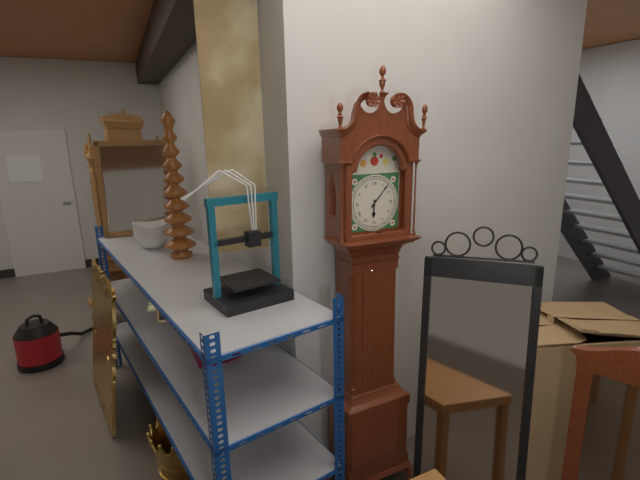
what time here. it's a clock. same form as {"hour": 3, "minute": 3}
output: {"hour": 6, "minute": 7}
